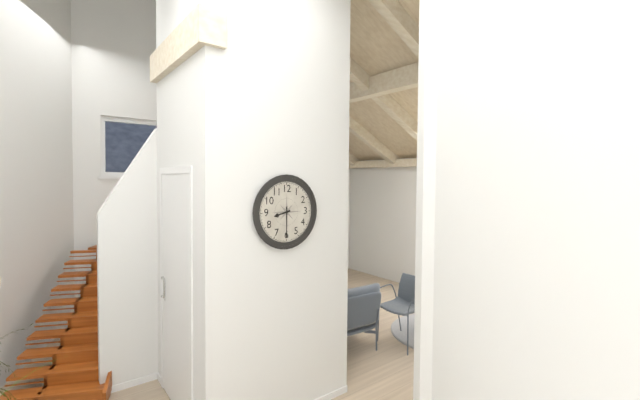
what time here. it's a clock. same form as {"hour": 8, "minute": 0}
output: {"hour": 8, "minute": 30}
